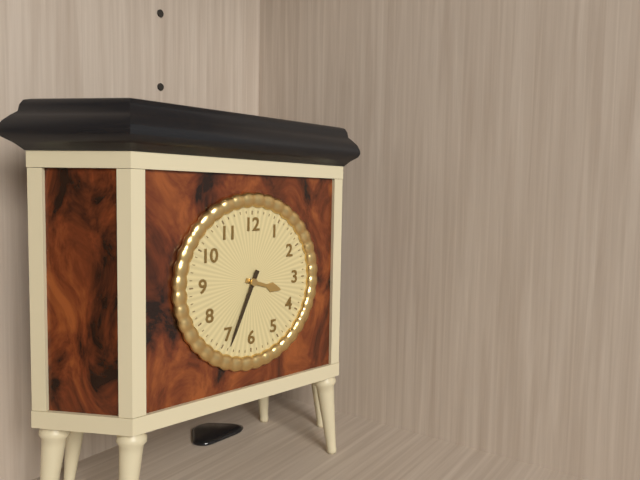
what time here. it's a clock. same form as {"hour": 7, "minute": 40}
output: {"hour": 3, "minute": 34}
